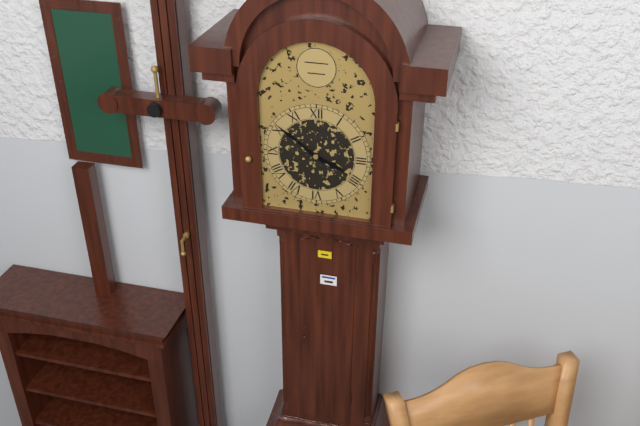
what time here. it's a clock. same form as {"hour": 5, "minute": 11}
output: {"hour": 3, "minute": 51}
